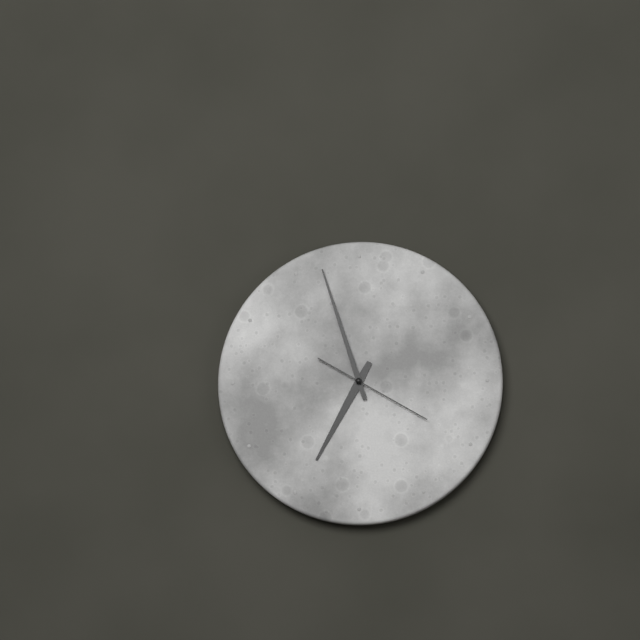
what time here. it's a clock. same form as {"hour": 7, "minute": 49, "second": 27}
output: {"hour": 6, "minute": 57, "second": 20}
